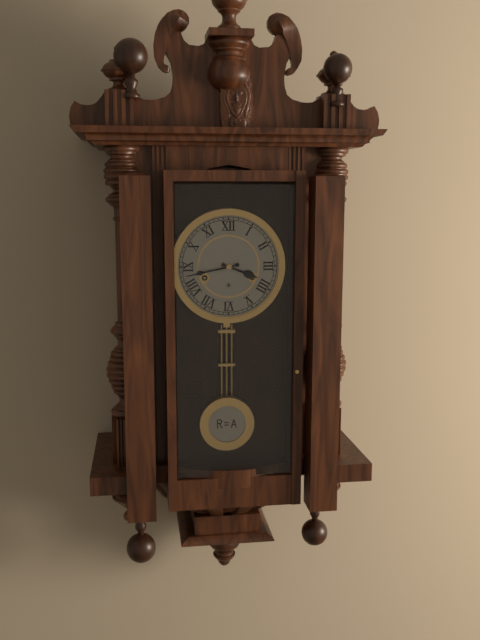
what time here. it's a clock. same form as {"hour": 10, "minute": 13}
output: {"hour": 3, "minute": 43}
